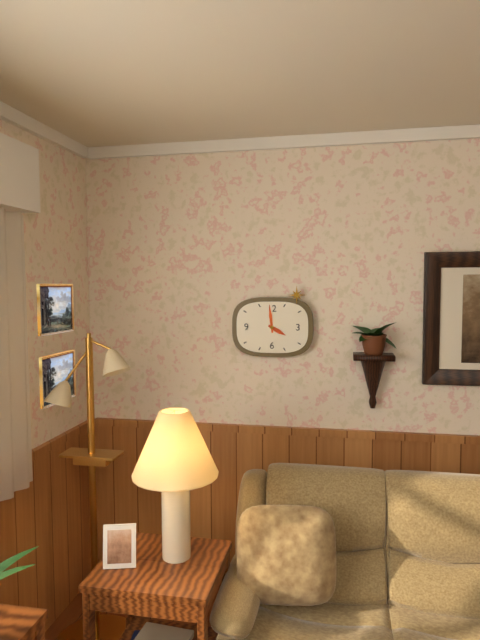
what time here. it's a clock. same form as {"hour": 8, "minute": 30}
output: {"hour": 3, "minute": 59}
